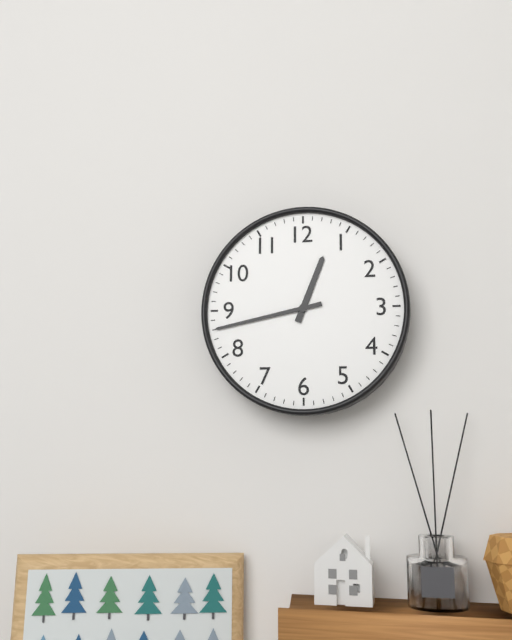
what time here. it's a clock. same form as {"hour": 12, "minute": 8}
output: {"hour": 12, "minute": 43}
